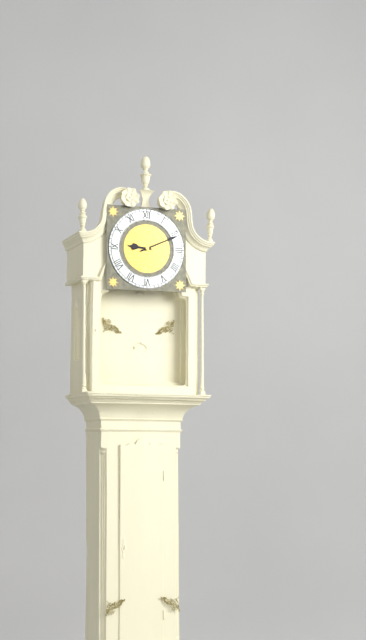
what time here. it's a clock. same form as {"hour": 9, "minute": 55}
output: {"hour": 9, "minute": 11}
